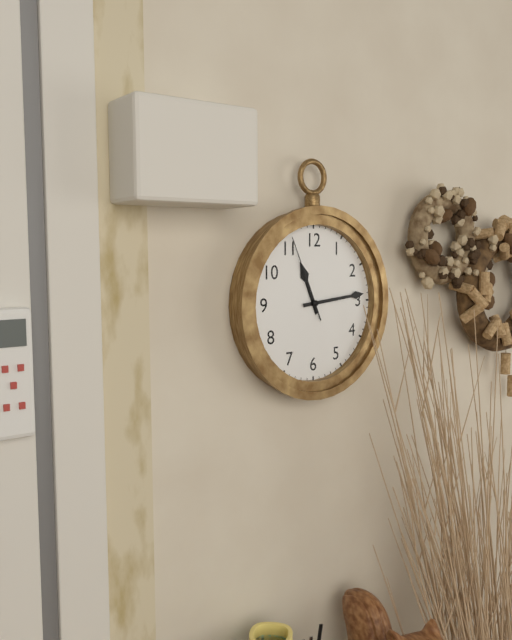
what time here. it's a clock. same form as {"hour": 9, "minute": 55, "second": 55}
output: {"hour": 11, "minute": 14, "second": 56}
